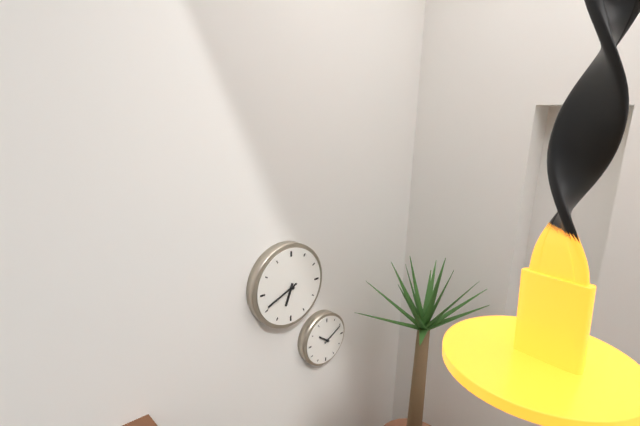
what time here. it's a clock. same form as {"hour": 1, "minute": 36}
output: {"hour": 6, "minute": 41}
